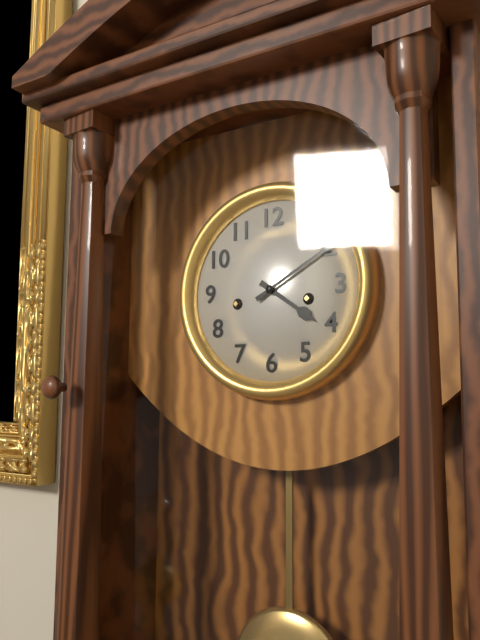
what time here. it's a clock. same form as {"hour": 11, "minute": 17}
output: {"hour": 4, "minute": 10}
